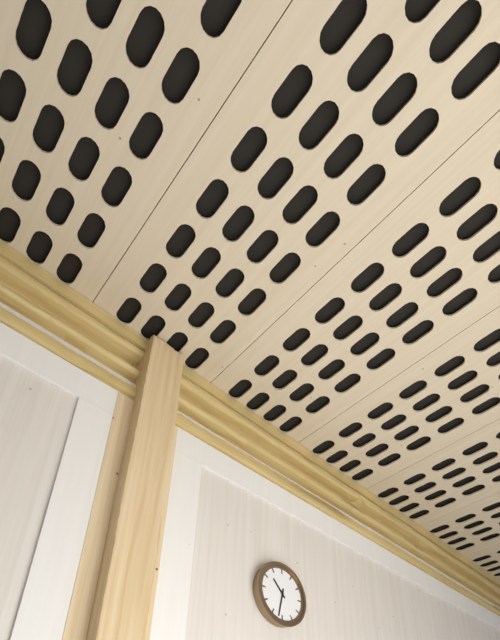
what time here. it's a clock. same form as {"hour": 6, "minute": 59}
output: {"hour": 10, "minute": 32}
